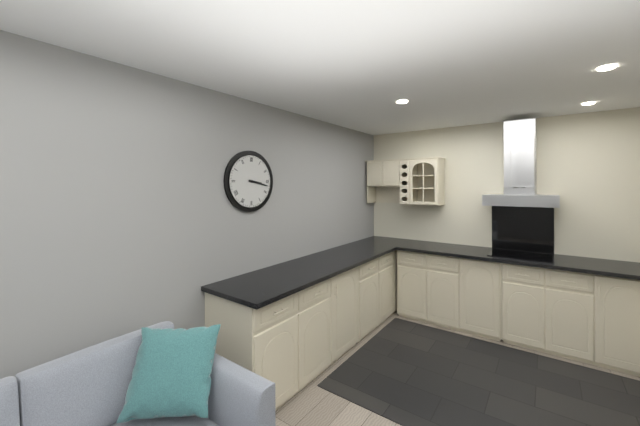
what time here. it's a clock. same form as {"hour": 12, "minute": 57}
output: {"hour": 3, "minute": 17}
